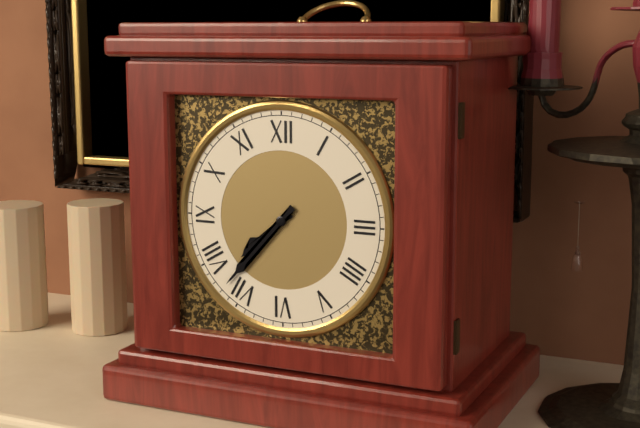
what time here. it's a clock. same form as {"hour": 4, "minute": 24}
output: {"hour": 7, "minute": 37}
